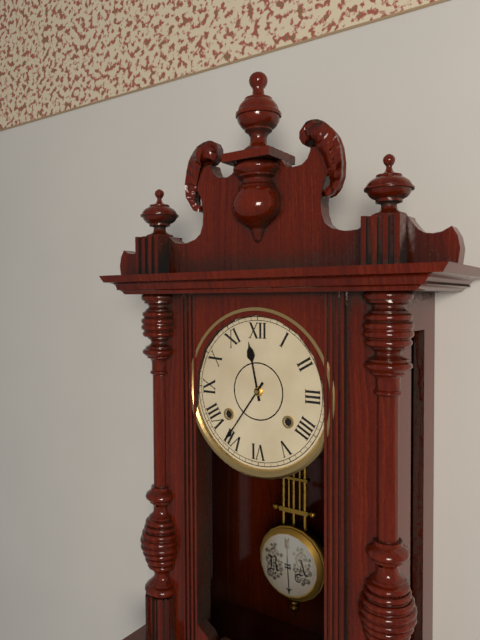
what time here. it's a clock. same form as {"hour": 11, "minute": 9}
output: {"hour": 11, "minute": 36}
